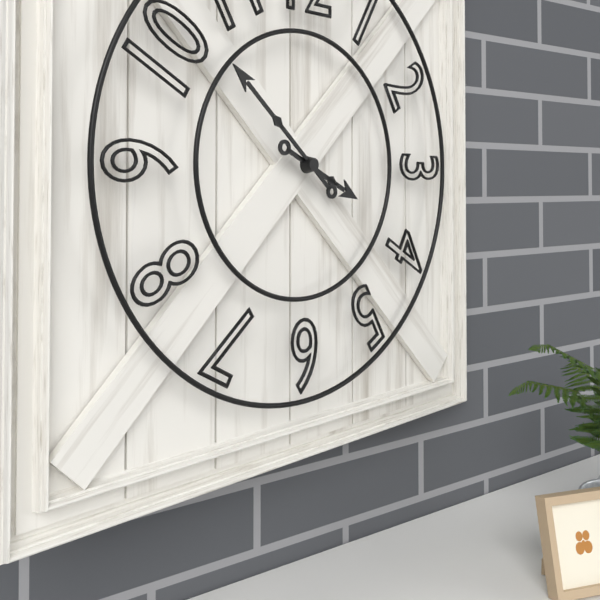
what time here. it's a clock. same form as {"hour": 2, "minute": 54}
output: {"hour": 3, "minute": 52}
